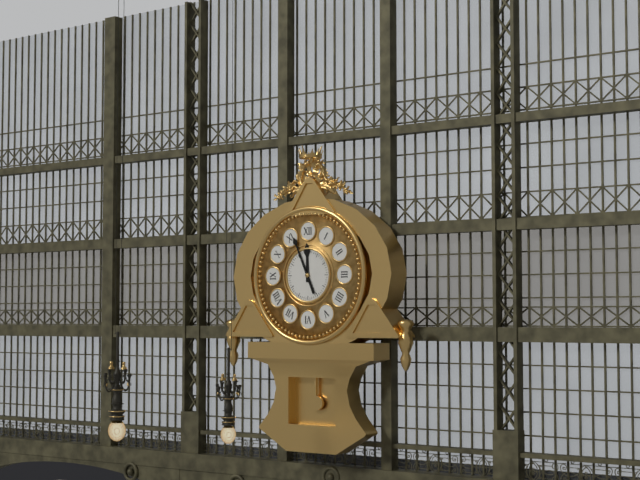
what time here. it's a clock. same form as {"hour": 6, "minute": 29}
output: {"hour": 11, "minute": 56}
